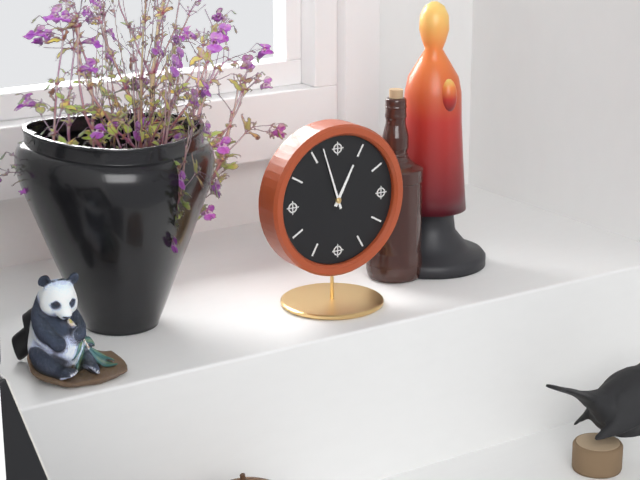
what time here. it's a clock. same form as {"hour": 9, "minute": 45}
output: {"hour": 12, "minute": 57}
